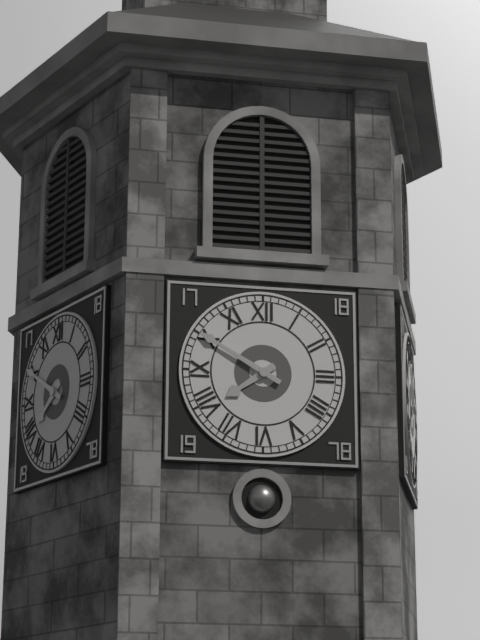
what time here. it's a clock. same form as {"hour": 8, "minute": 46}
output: {"hour": 7, "minute": 50}
